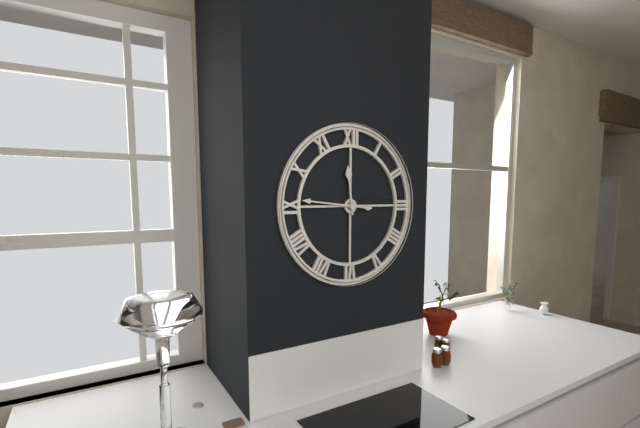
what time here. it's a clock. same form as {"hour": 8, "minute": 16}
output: {"hour": 11, "minute": 46}
